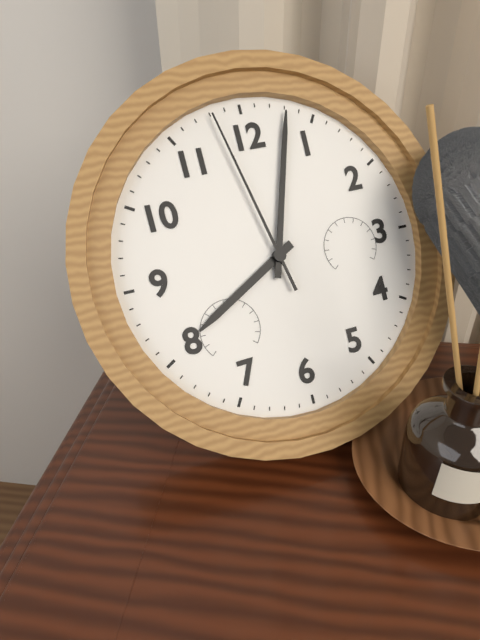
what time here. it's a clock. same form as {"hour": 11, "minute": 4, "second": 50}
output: {"hour": 8, "minute": 3, "second": 58}
